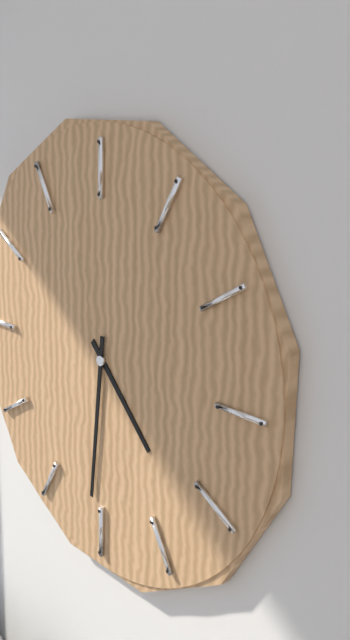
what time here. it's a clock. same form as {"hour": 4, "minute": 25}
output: {"hour": 4, "minute": 31}
